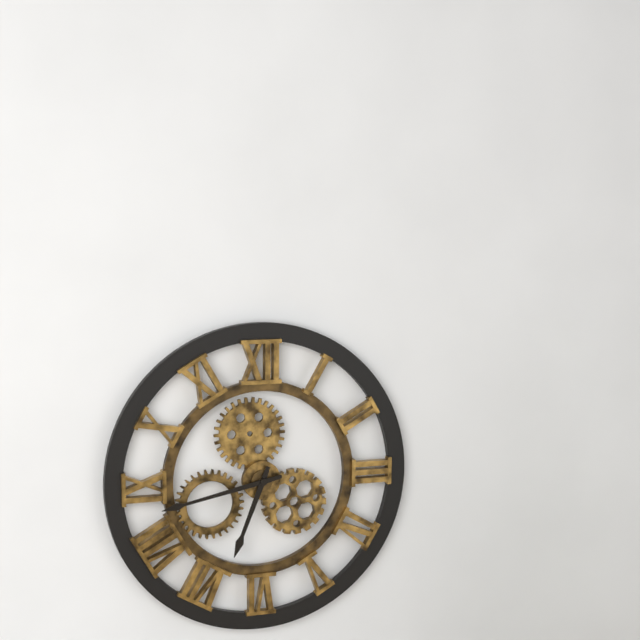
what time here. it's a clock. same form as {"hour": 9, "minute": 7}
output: {"hour": 6, "minute": 43}
